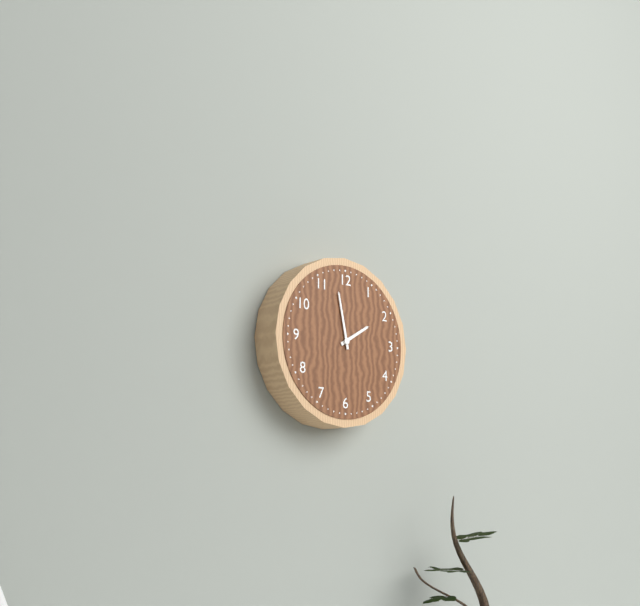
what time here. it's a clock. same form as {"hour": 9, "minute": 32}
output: {"hour": 1, "minute": 58}
